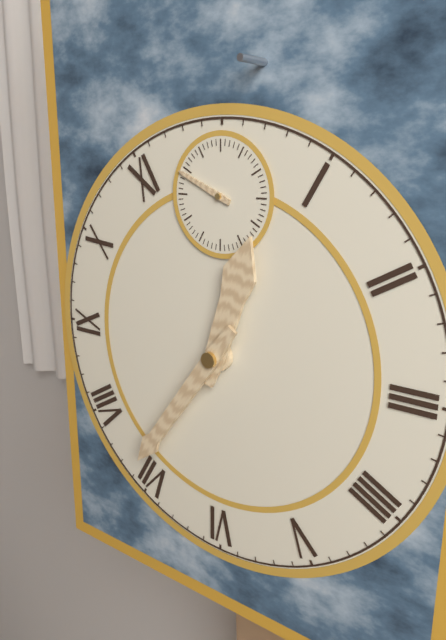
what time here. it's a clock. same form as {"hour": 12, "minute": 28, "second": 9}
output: {"hour": 12, "minute": 36, "second": 49}
